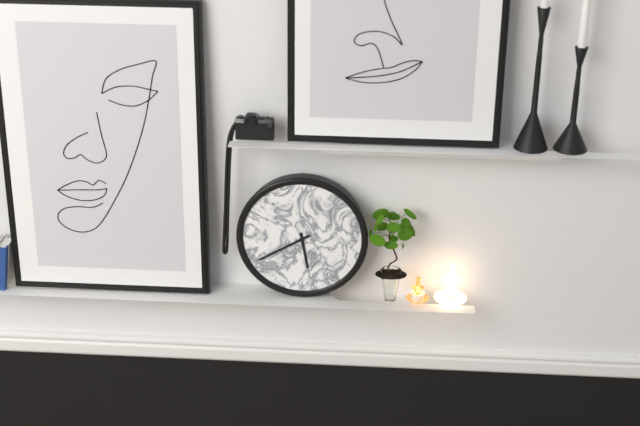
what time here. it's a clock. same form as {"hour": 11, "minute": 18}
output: {"hour": 5, "minute": 40}
